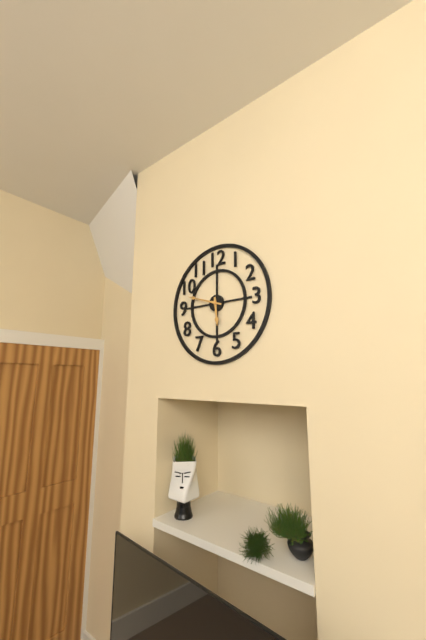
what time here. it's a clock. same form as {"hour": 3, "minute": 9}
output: {"hour": 5, "minute": 48}
